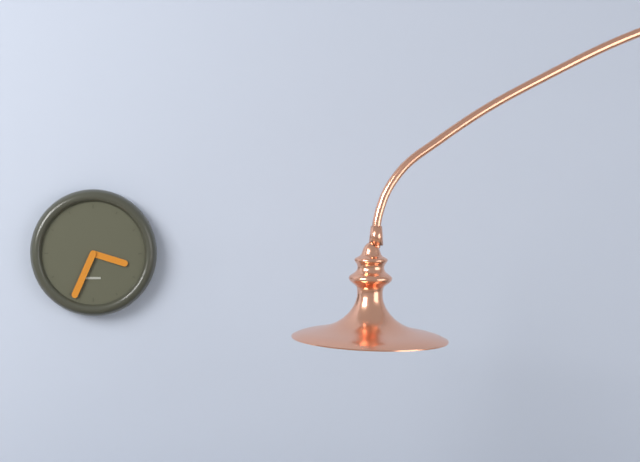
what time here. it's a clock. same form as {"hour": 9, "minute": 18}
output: {"hour": 3, "minute": 34}
